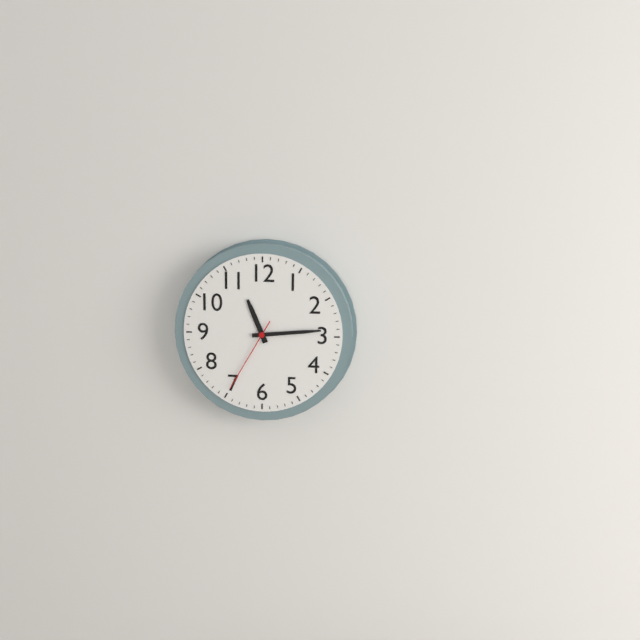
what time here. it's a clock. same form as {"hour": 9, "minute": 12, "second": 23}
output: {"hour": 11, "minute": 14, "second": 35}
